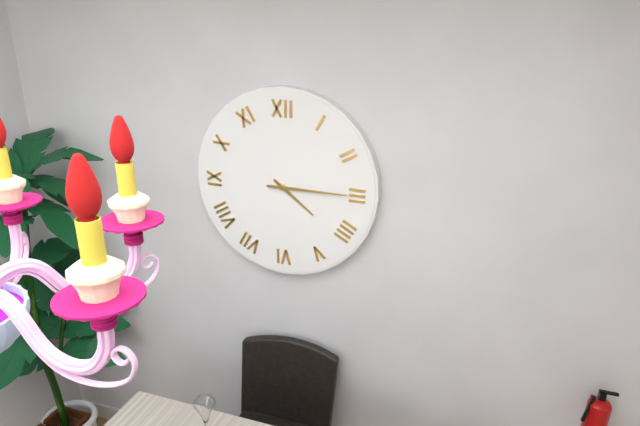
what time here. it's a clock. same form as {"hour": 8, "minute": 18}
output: {"hour": 4, "minute": 15}
